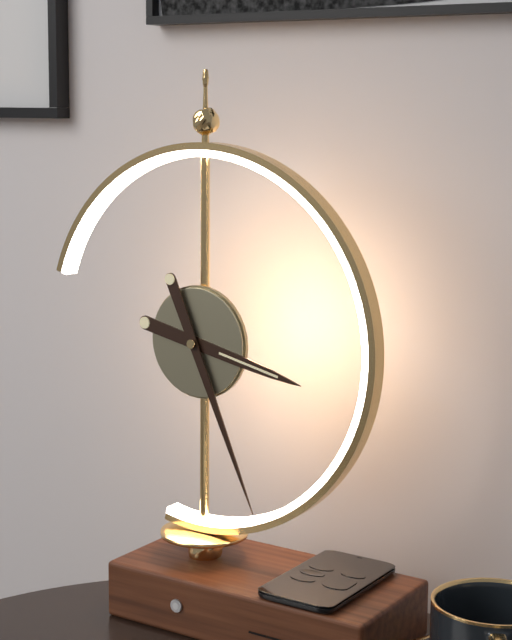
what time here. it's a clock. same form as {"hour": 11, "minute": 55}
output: {"hour": 3, "minute": 26}
